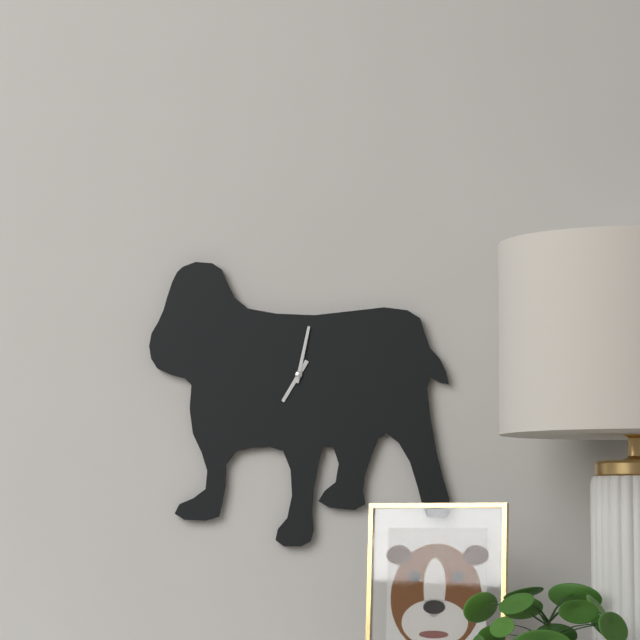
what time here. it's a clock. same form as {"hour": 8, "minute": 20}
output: {"hour": 7, "minute": 2}
